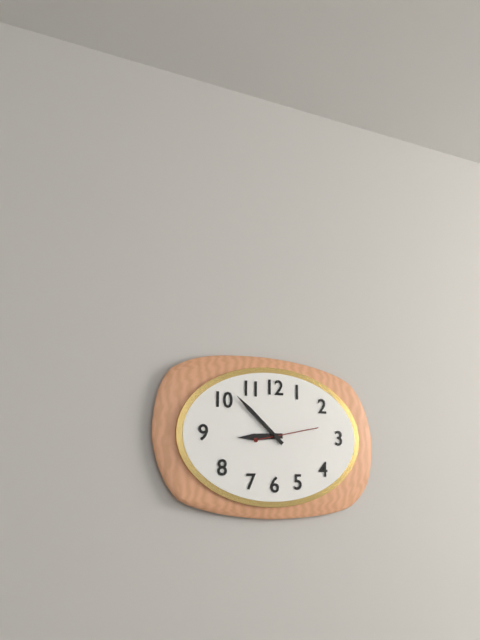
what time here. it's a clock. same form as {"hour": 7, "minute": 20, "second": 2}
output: {"hour": 8, "minute": 52, "second": 13}
